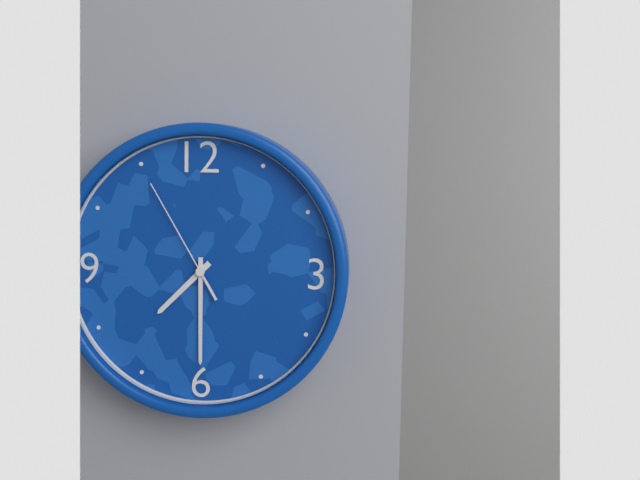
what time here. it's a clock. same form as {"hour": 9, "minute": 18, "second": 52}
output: {"hour": 7, "minute": 30, "second": 55}
